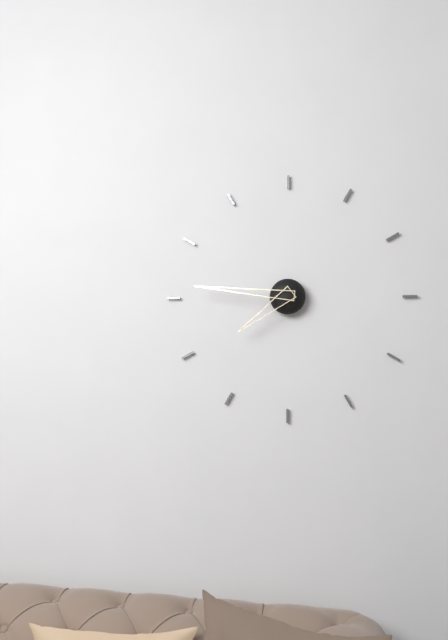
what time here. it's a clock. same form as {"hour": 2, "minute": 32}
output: {"hour": 7, "minute": 46}
